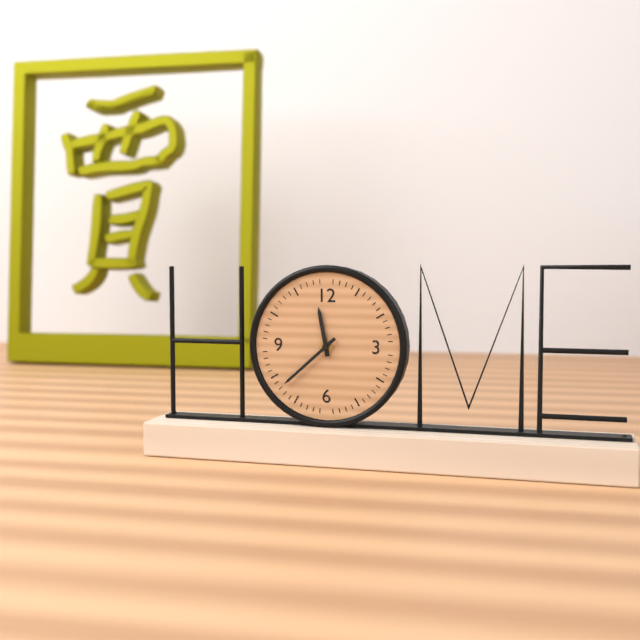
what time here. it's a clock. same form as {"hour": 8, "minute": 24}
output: {"hour": 11, "minute": 38}
